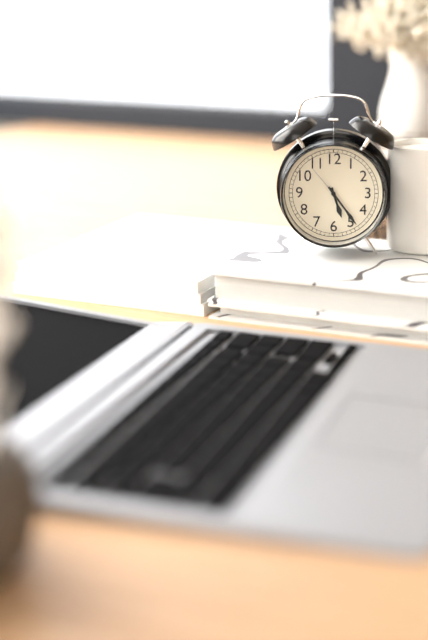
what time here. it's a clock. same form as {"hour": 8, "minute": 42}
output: {"hour": 5, "minute": 24}
